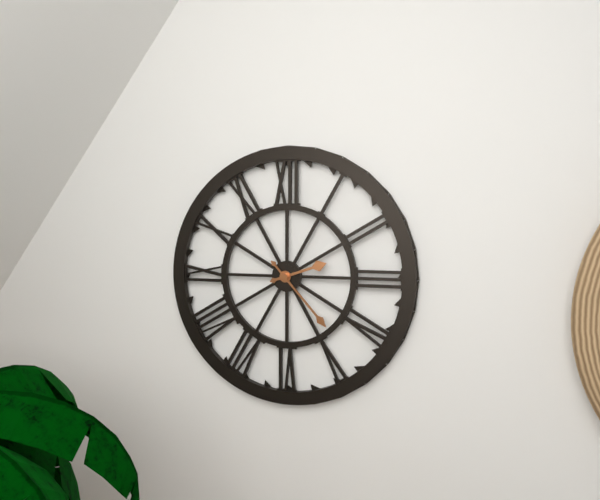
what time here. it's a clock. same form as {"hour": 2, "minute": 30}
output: {"hour": 2, "minute": 23}
